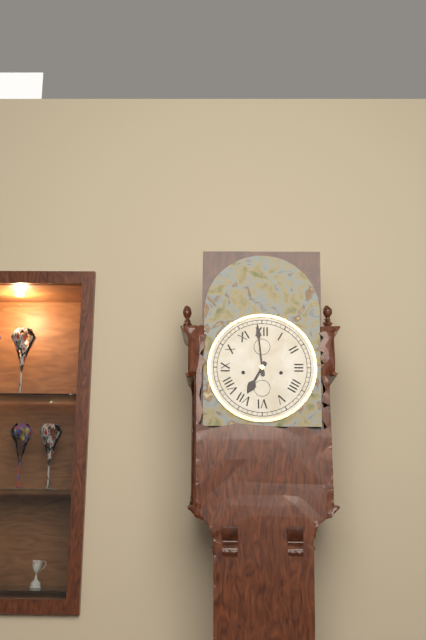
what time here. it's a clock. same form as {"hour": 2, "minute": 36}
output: {"hour": 6, "minute": 59}
